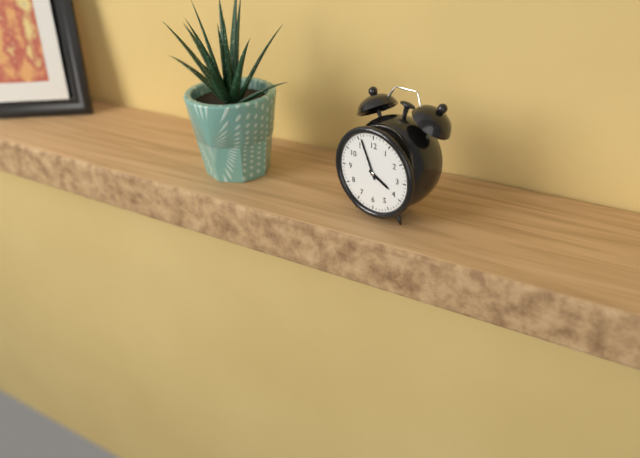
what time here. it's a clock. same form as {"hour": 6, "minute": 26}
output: {"hour": 3, "minute": 56}
